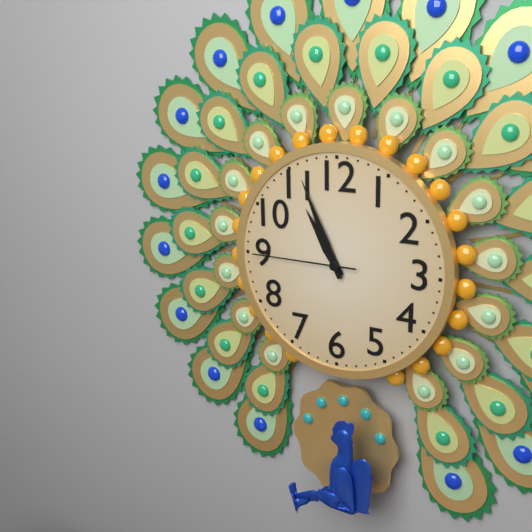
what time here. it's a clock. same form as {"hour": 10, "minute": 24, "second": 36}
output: {"hour": 10, "minute": 56, "second": 45}
